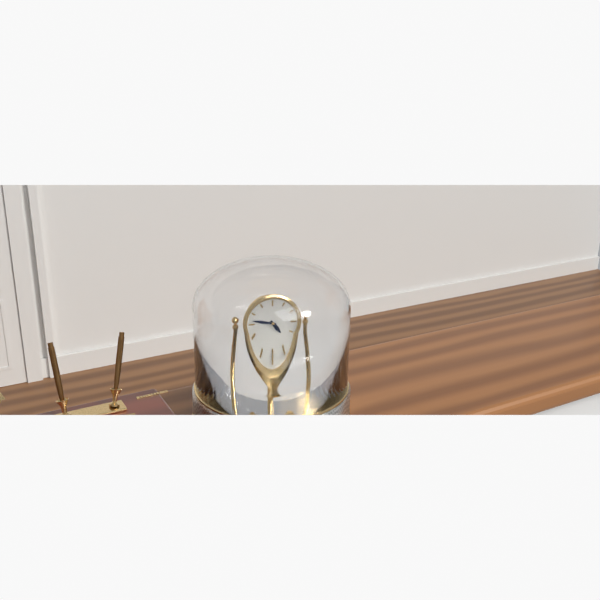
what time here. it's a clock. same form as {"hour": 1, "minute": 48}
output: {"hour": 4, "minute": 47}
